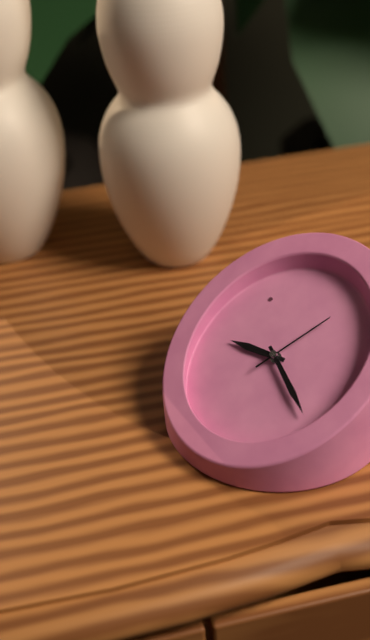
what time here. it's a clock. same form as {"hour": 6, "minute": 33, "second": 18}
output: {"hour": 11, "minute": 34, "second": 18}
